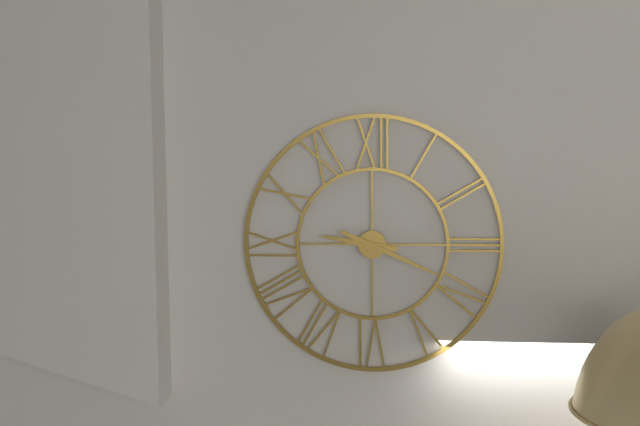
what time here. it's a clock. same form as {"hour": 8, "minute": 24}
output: {"hour": 9, "minute": 19}
